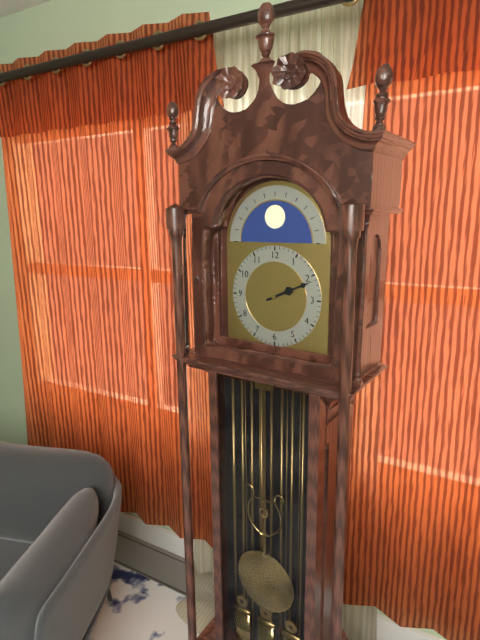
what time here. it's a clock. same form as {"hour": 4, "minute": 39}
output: {"hour": 2, "minute": 11}
